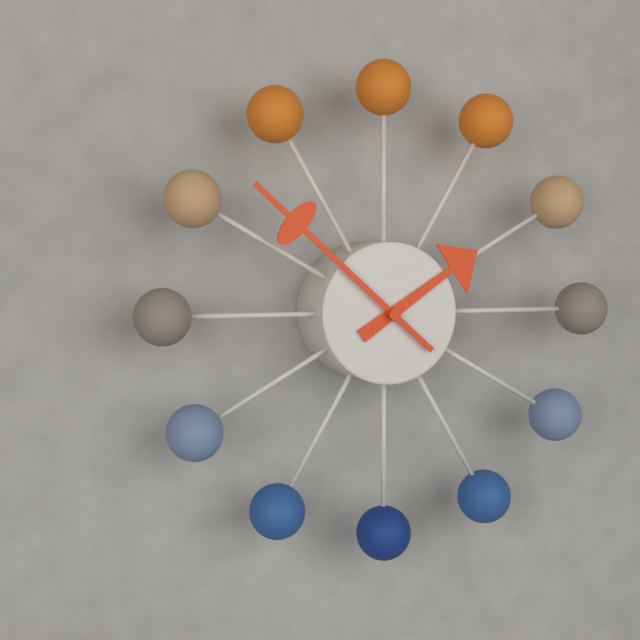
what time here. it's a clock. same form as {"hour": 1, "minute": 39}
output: {"hour": 1, "minute": 52}
